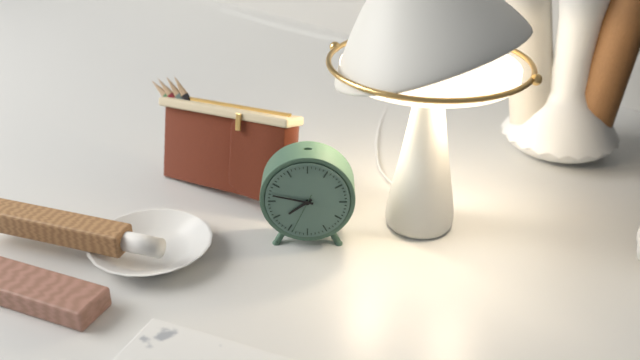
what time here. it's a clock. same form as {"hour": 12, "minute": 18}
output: {"hour": 7, "minute": 47}
